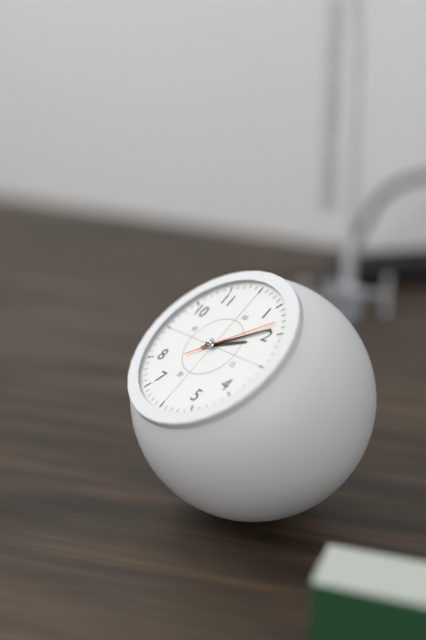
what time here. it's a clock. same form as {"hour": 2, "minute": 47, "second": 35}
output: {"hour": 2, "minute": 9, "second": 8}
